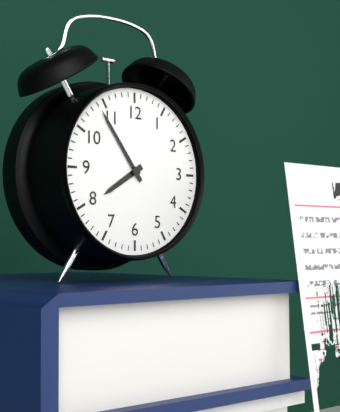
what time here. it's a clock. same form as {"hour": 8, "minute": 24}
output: {"hour": 7, "minute": 54}
